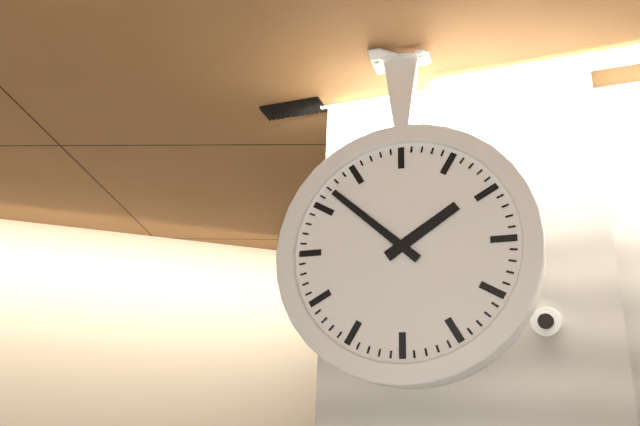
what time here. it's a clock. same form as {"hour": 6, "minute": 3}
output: {"hour": 1, "minute": 52}
